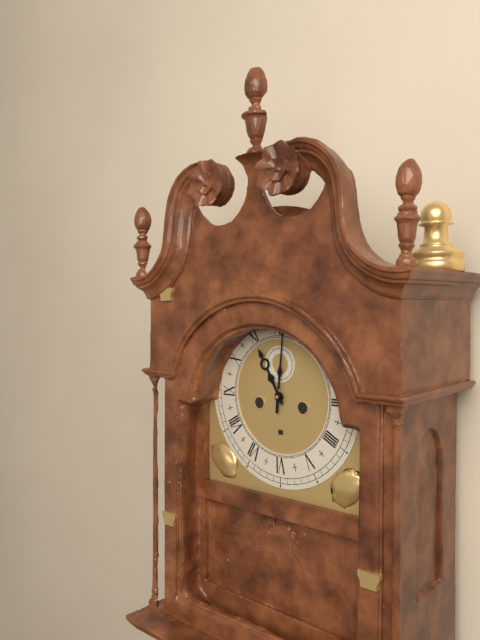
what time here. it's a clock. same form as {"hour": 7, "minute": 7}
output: {"hour": 11, "minute": 1}
